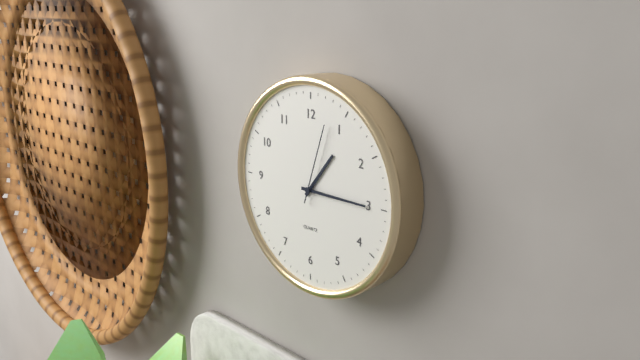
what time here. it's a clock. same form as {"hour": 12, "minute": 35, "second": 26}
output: {"hour": 1, "minute": 15, "second": 3}
